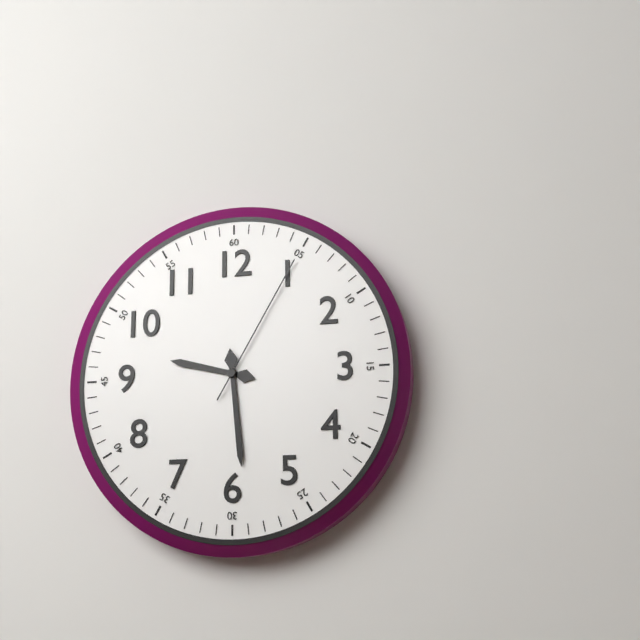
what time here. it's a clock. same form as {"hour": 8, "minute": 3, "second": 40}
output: {"hour": 9, "minute": 29, "second": 5}
